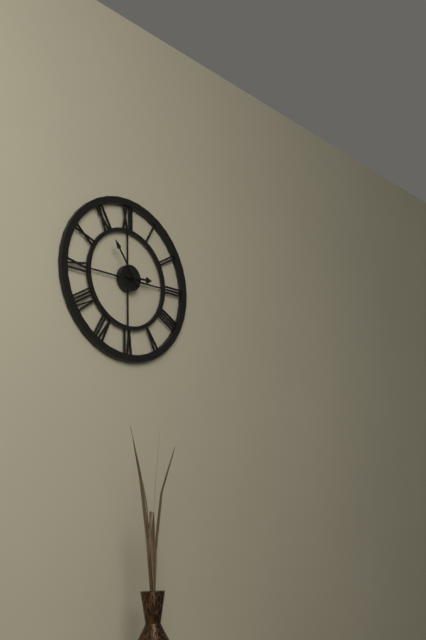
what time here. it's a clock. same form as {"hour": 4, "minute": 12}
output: {"hour": 2, "minute": 54}
